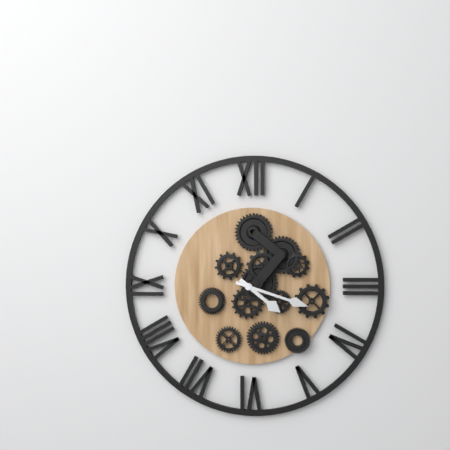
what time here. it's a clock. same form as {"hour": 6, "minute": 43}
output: {"hour": 4, "minute": 18}
